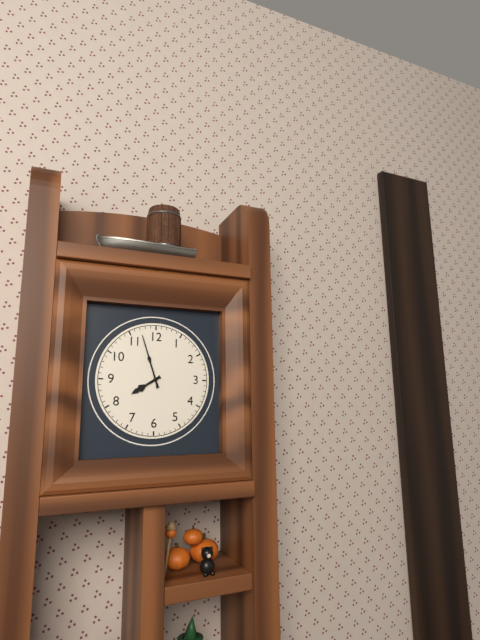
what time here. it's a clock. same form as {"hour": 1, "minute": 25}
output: {"hour": 7, "minute": 57}
